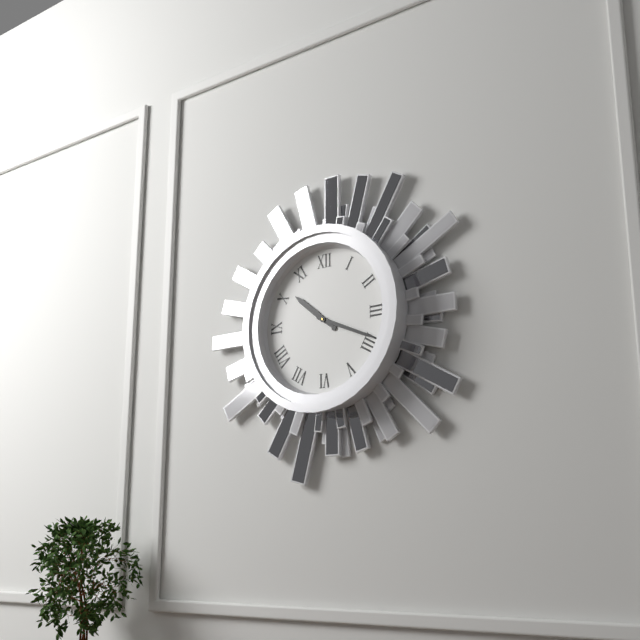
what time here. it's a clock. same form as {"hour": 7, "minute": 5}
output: {"hour": 10, "minute": 19}
